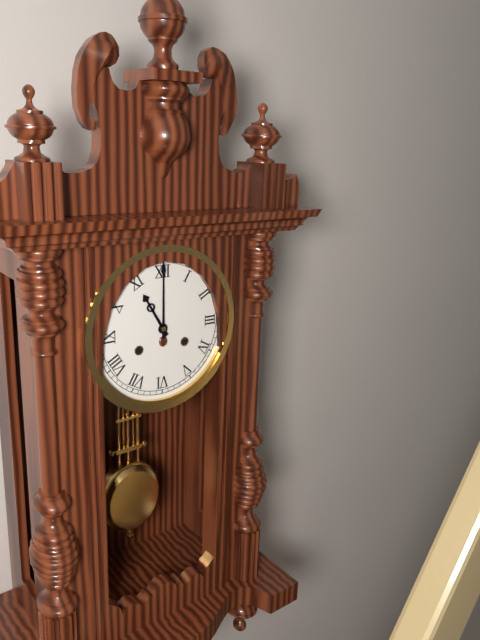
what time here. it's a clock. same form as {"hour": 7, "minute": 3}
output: {"hour": 11, "minute": 0}
